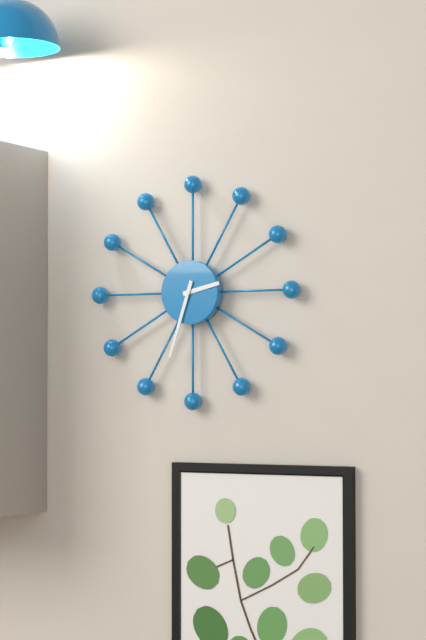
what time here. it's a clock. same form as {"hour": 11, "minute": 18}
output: {"hour": 2, "minute": 33}
